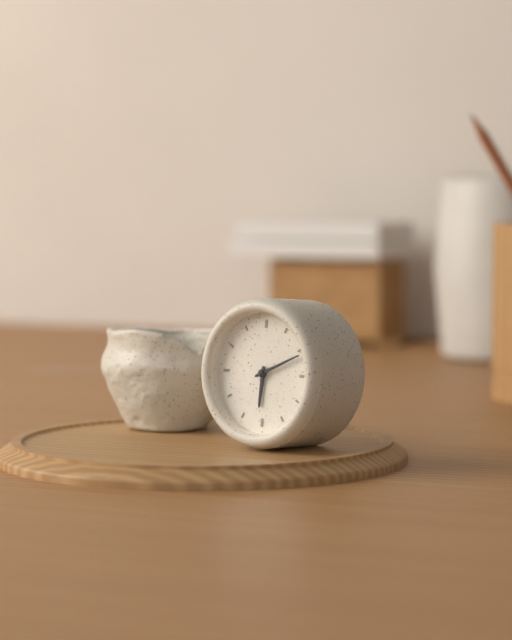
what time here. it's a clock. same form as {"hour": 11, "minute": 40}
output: {"hour": 6, "minute": 11}
